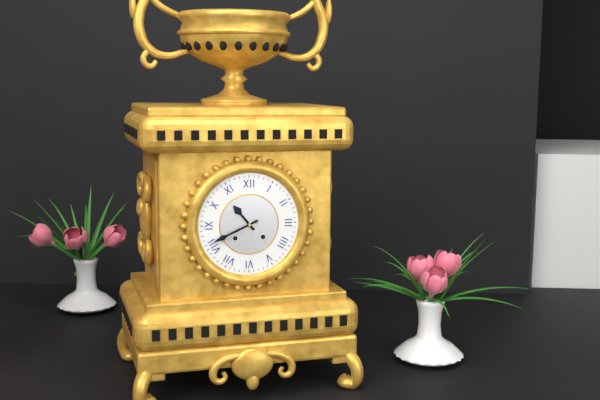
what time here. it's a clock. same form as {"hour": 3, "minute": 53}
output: {"hour": 10, "minute": 41}
